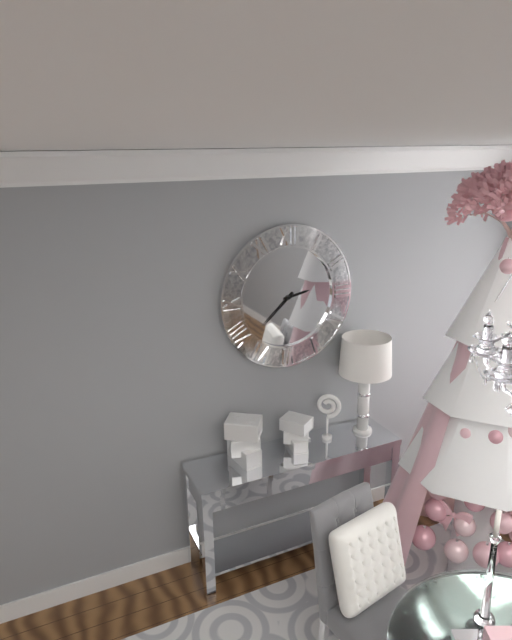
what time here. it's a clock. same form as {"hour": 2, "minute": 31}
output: {"hour": 2, "minute": 38}
